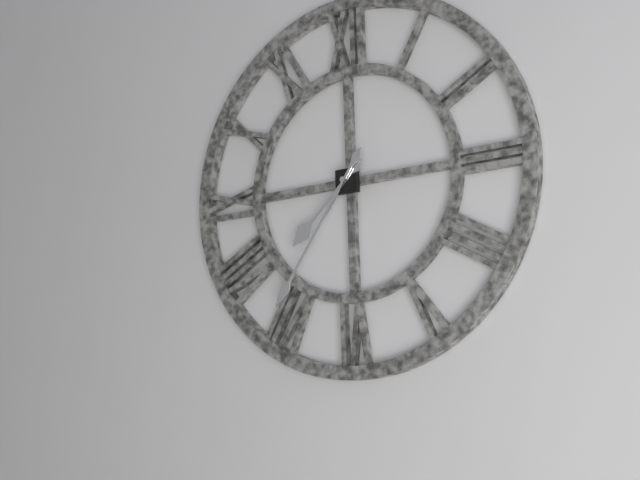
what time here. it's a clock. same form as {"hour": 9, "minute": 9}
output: {"hour": 7, "minute": 36}
